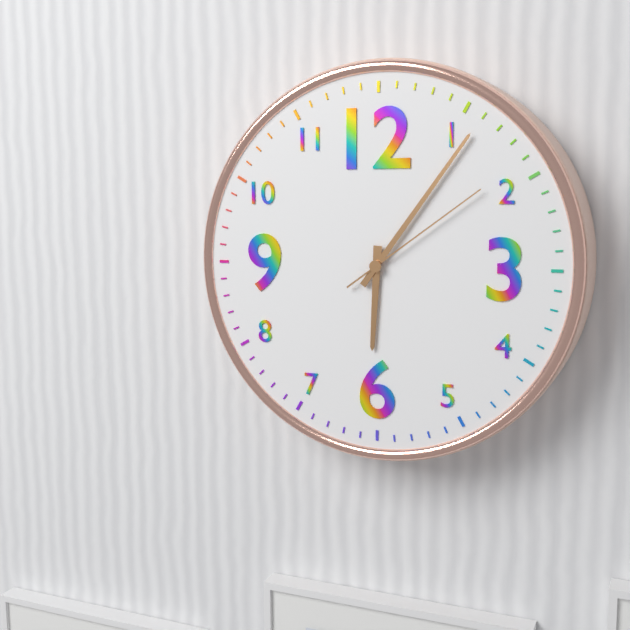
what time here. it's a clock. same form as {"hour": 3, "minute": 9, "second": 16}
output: {"hour": 6, "minute": 6, "second": 9}
